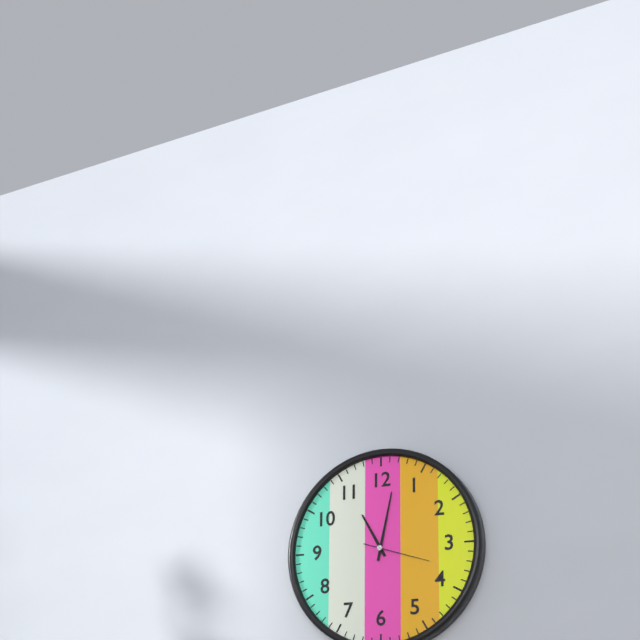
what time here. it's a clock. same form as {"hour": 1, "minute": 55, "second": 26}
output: {"hour": 11, "minute": 2, "second": 18}
